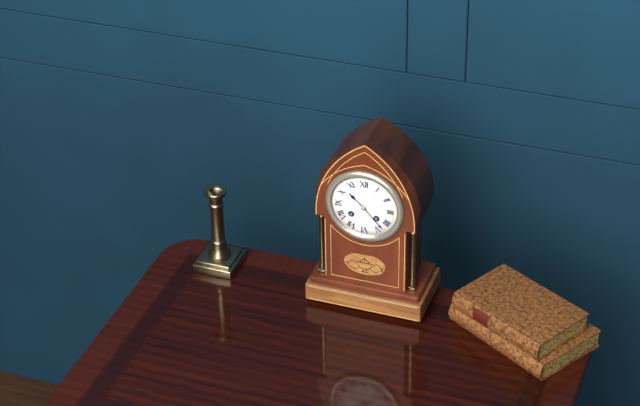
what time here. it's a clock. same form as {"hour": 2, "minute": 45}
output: {"hour": 10, "minute": 23}
